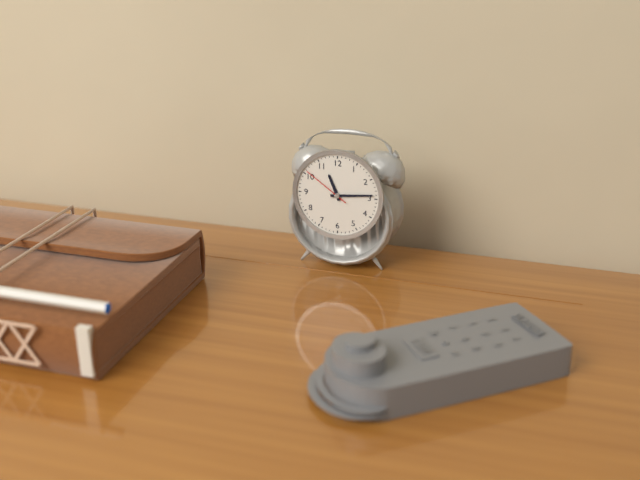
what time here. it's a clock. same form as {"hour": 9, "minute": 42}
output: {"hour": 11, "minute": 14}
